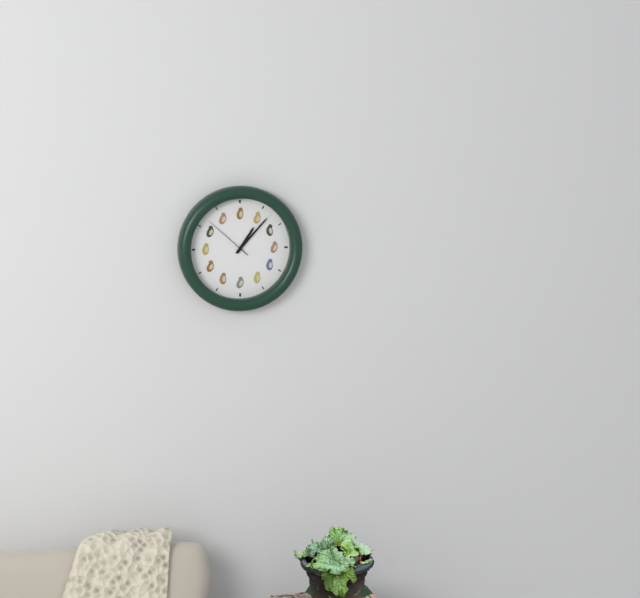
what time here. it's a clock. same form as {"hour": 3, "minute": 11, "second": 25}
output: {"hour": 1, "minute": 7, "second": 52}
